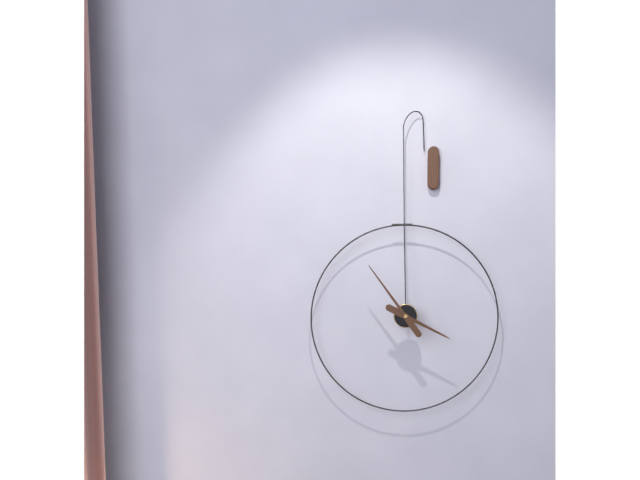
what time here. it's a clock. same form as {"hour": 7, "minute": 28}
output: {"hour": 3, "minute": 54}
